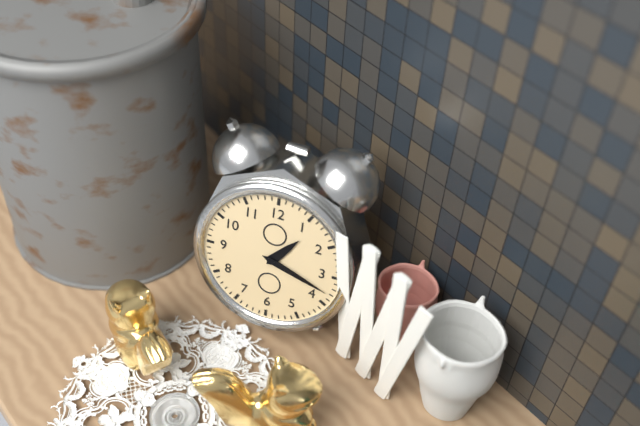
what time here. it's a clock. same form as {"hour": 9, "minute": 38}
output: {"hour": 1, "minute": 18}
